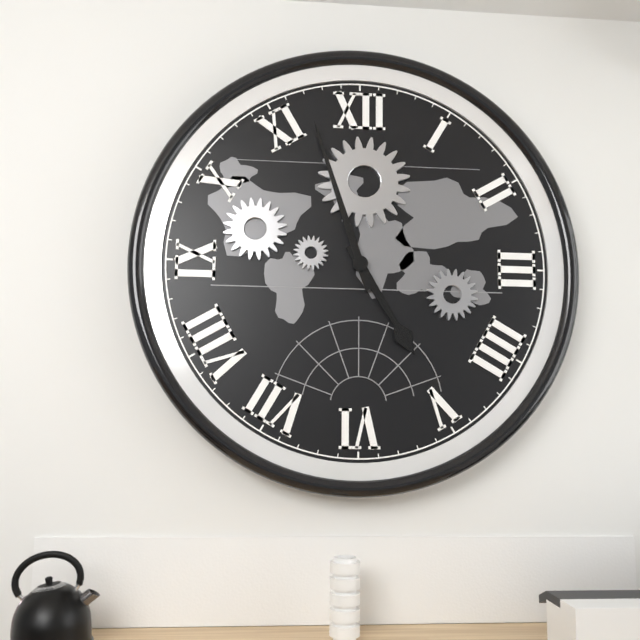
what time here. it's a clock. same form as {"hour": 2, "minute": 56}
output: {"hour": 4, "minute": 57}
